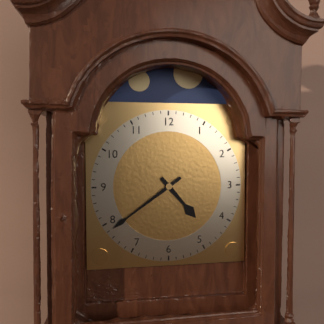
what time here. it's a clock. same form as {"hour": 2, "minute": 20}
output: {"hour": 4, "minute": 39}
